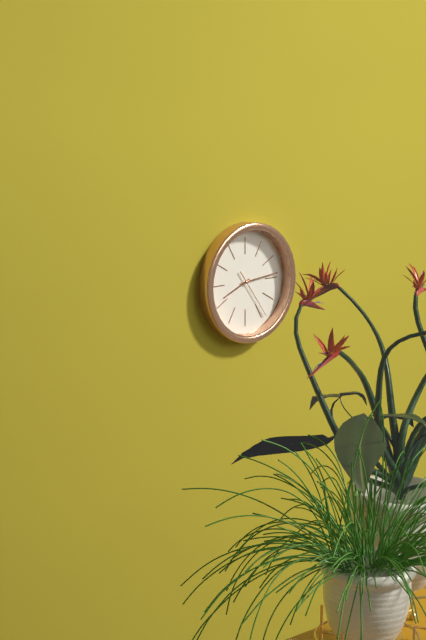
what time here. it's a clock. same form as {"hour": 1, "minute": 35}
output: {"hour": 8, "minute": 14}
